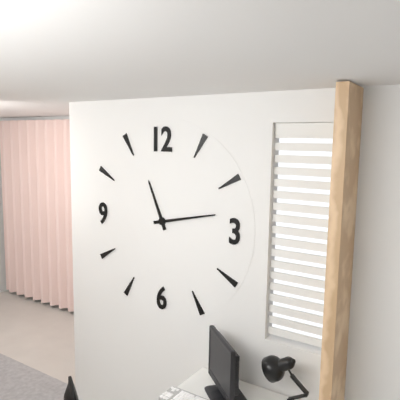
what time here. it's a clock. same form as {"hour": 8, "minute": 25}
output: {"hour": 11, "minute": 13}
